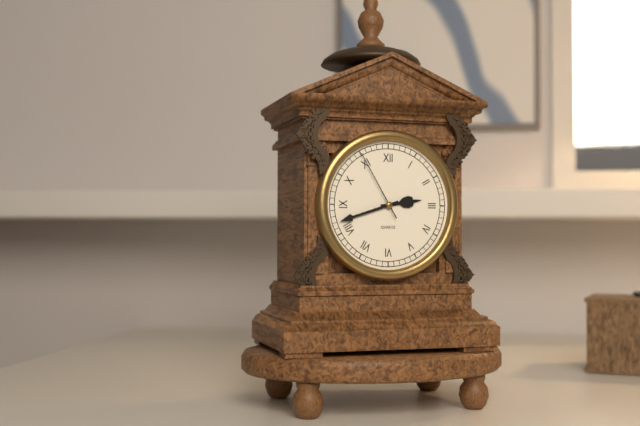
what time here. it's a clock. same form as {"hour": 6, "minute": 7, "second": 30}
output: {"hour": 2, "minute": 42, "second": 55}
